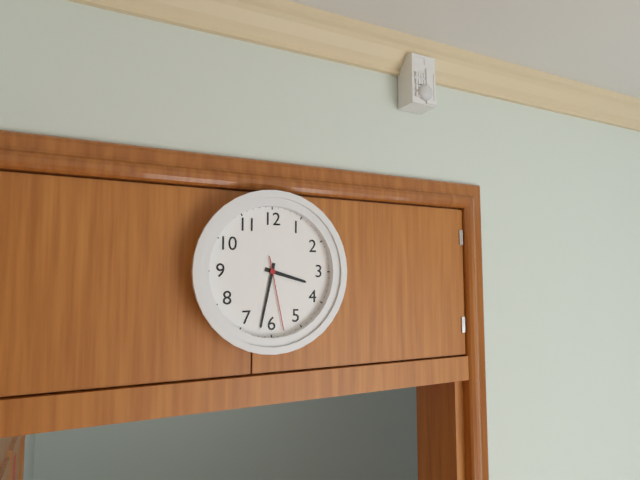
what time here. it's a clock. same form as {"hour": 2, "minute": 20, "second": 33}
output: {"hour": 3, "minute": 32, "second": 28}
